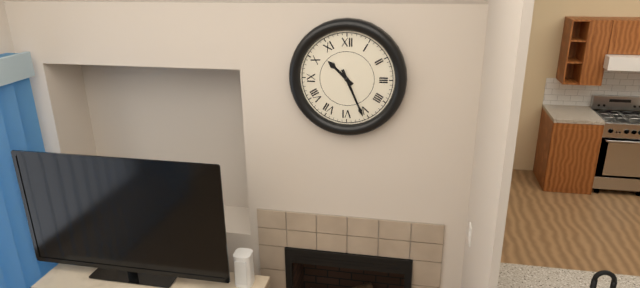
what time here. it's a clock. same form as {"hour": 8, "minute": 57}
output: {"hour": 10, "minute": 26}
